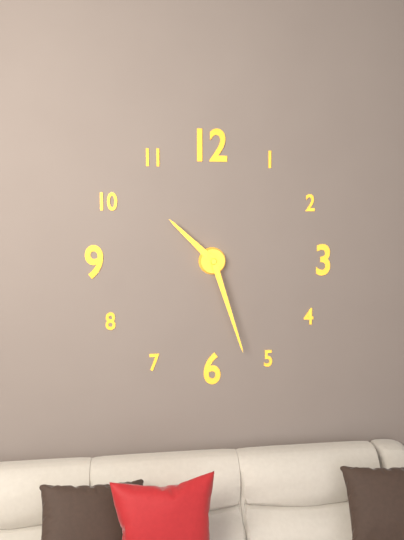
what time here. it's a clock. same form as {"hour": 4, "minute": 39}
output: {"hour": 10, "minute": 27}
